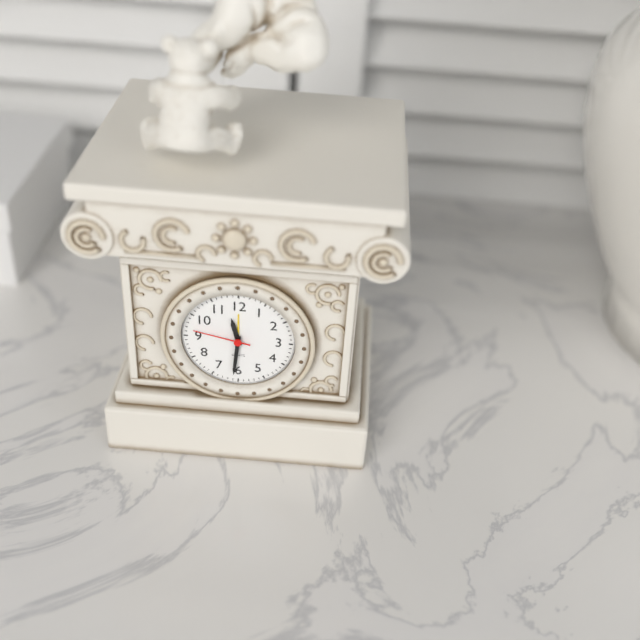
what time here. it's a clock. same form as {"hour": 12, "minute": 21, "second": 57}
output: {"hour": 11, "minute": 31, "second": 47}
